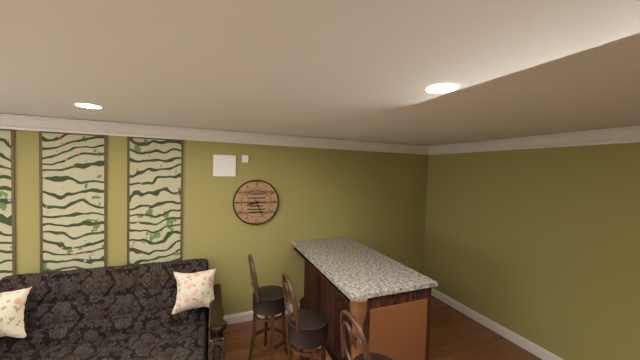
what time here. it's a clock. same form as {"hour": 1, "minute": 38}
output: {"hour": 8, "minute": 26}
